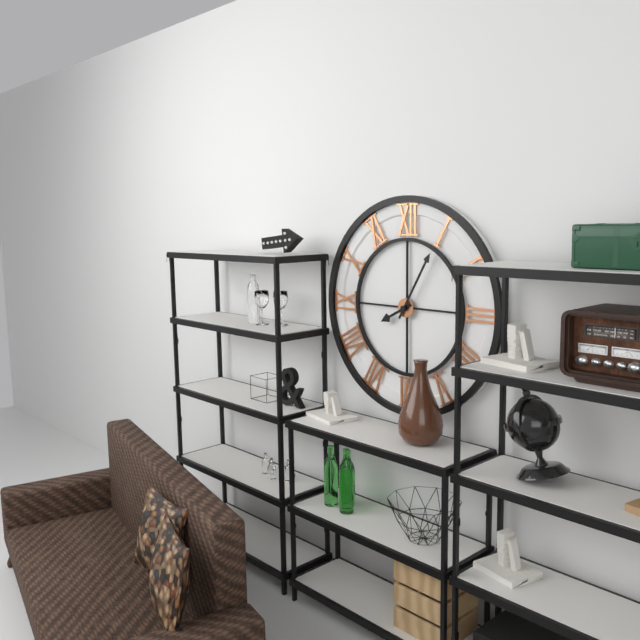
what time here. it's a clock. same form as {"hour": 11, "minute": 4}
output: {"hour": 8, "minute": 5}
